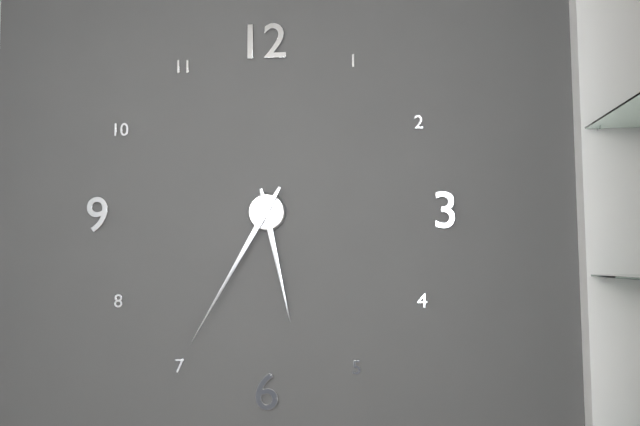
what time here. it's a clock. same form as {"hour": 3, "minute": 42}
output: {"hour": 5, "minute": 35}
